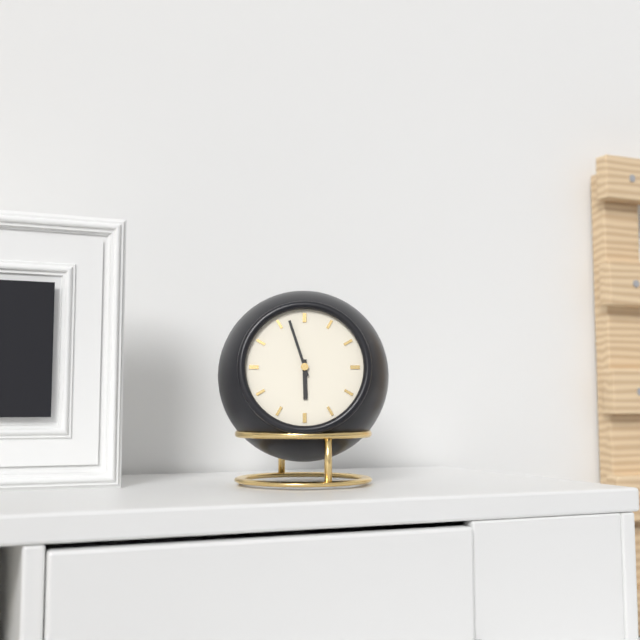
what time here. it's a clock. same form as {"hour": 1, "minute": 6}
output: {"hour": 5, "minute": 57}
